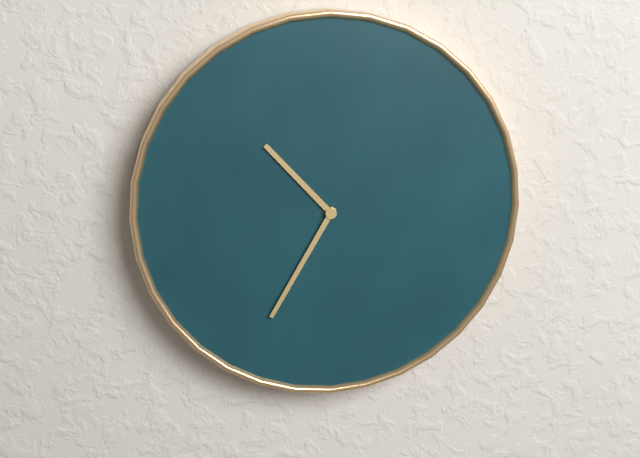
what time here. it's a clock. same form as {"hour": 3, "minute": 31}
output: {"hour": 10, "minute": 35}
